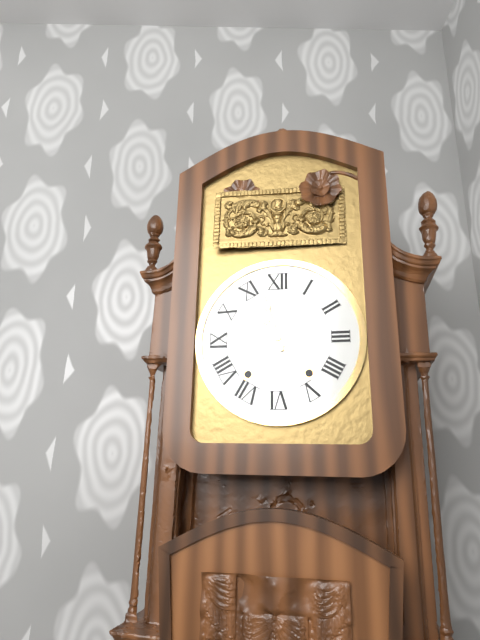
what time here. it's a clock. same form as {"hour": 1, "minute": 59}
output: {"hour": 10, "minute": 57}
